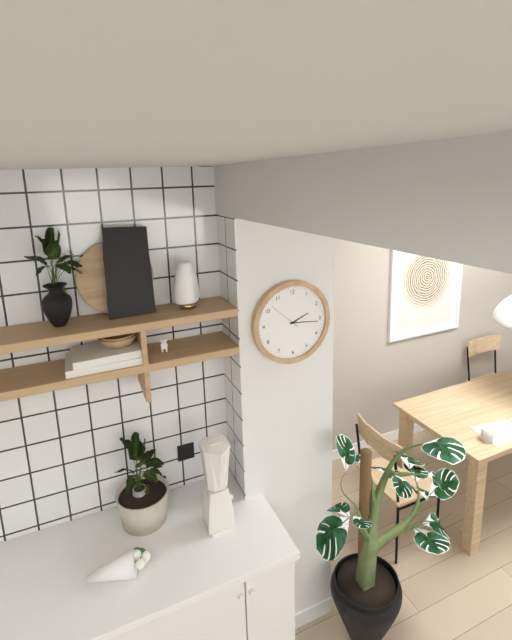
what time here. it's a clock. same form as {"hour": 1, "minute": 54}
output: {"hour": 2, "minute": 16}
